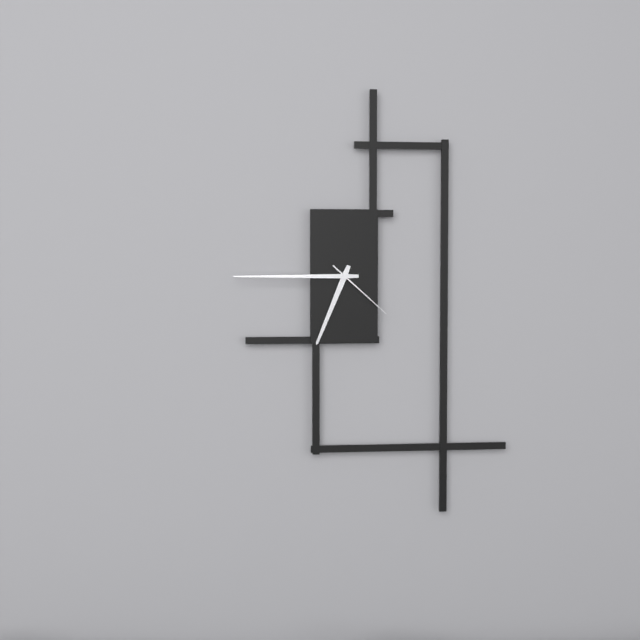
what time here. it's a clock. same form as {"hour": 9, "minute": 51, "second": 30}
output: {"hour": 6, "minute": 45, "second": 22}
